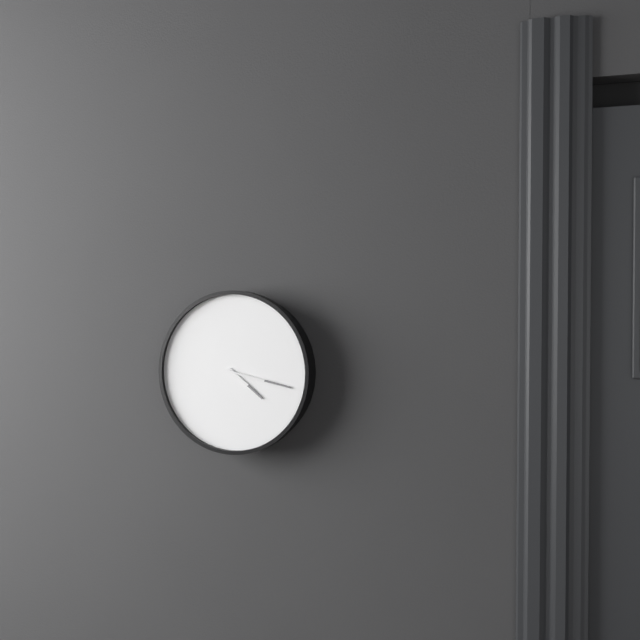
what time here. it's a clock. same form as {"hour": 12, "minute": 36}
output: {"hour": 4, "minute": 17}
